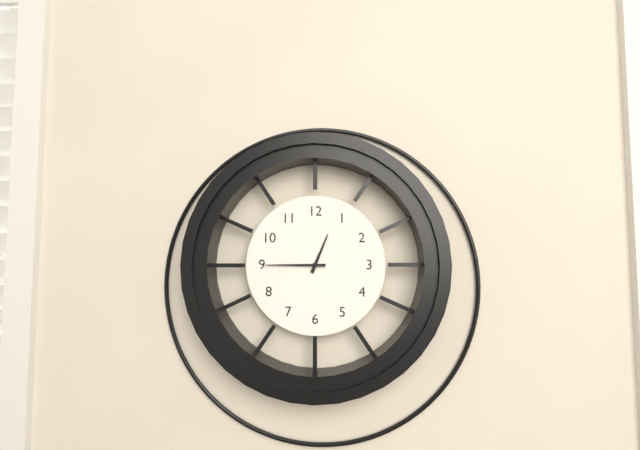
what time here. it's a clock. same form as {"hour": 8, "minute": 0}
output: {"hour": 12, "minute": 45}
